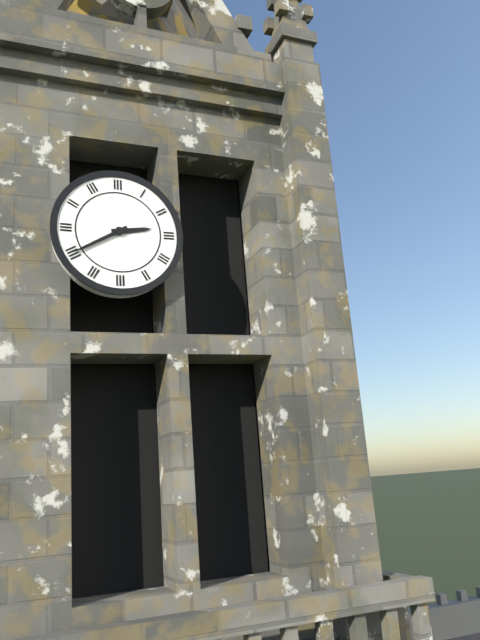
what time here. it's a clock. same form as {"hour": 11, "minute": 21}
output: {"hour": 2, "minute": 40}
